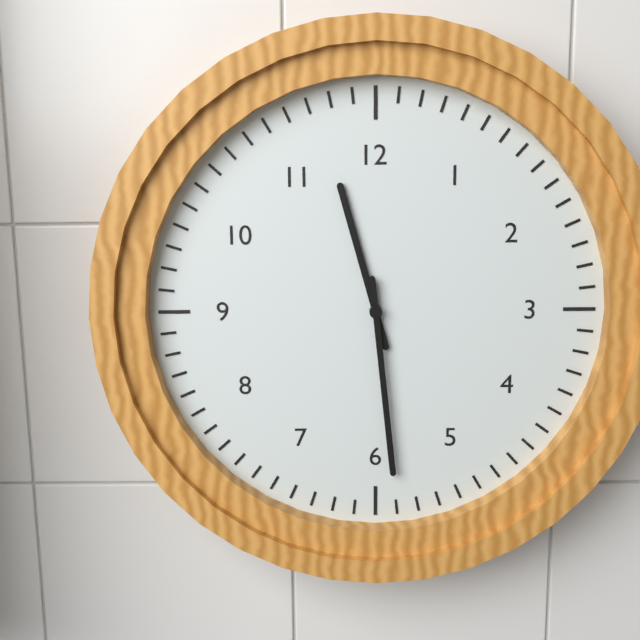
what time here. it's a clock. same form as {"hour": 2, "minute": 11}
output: {"hour": 11, "minute": 29}
